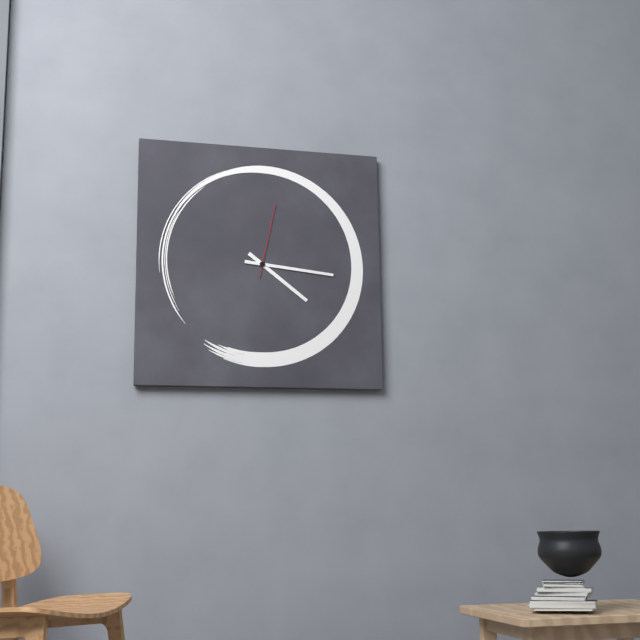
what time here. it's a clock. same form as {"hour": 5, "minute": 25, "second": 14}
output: {"hour": 4, "minute": 16, "second": 2}
